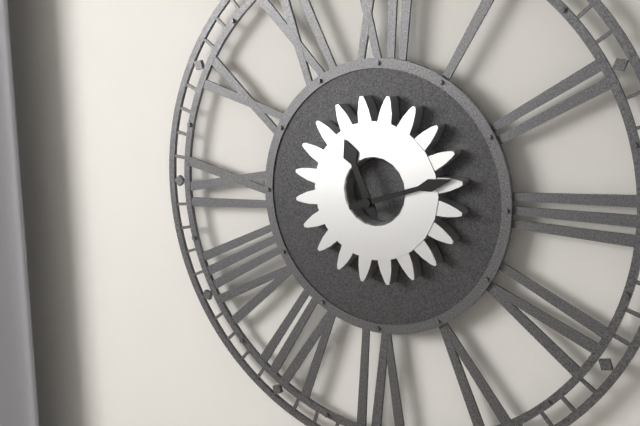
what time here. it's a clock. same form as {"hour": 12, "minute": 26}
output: {"hour": 11, "minute": 12}
